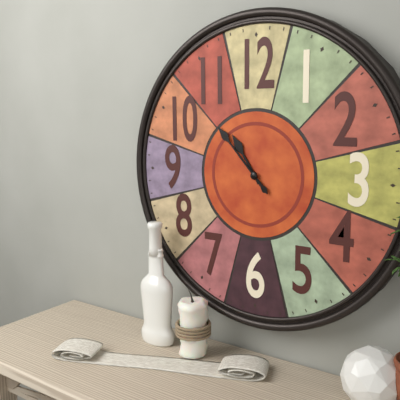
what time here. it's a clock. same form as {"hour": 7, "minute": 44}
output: {"hour": 10, "minute": 53}
